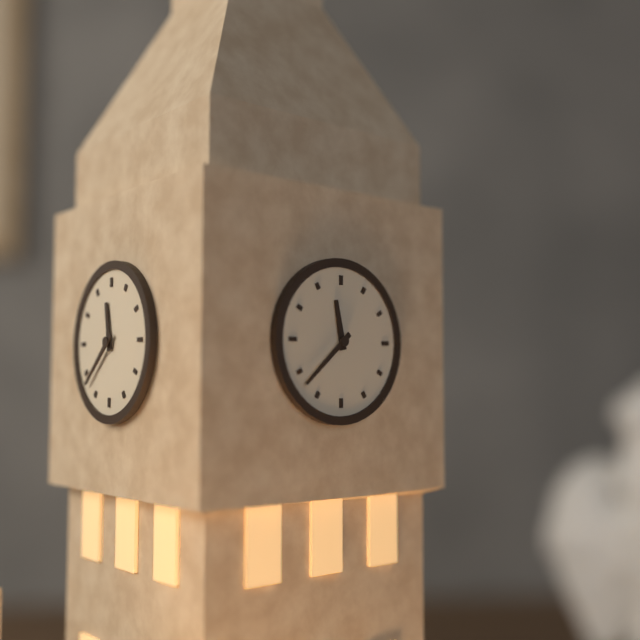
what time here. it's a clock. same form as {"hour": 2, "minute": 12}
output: {"hour": 11, "minute": 38}
